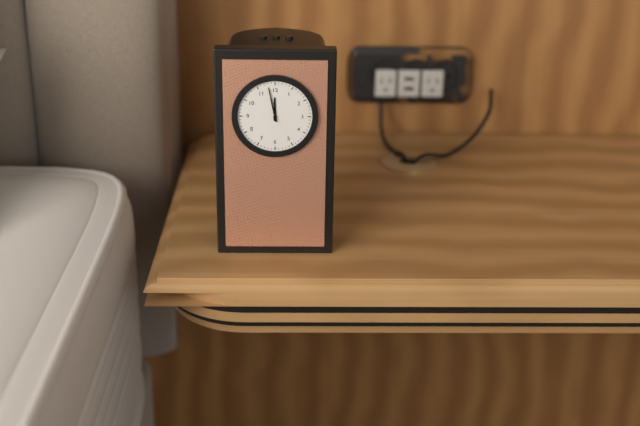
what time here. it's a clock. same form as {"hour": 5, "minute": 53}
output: {"hour": 11, "minute": 58}
